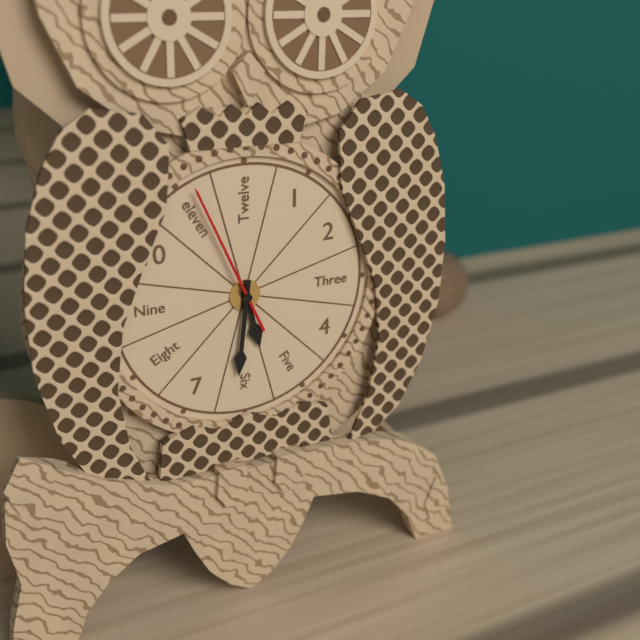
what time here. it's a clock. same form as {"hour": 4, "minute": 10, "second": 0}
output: {"hour": 5, "minute": 31, "second": 56}
